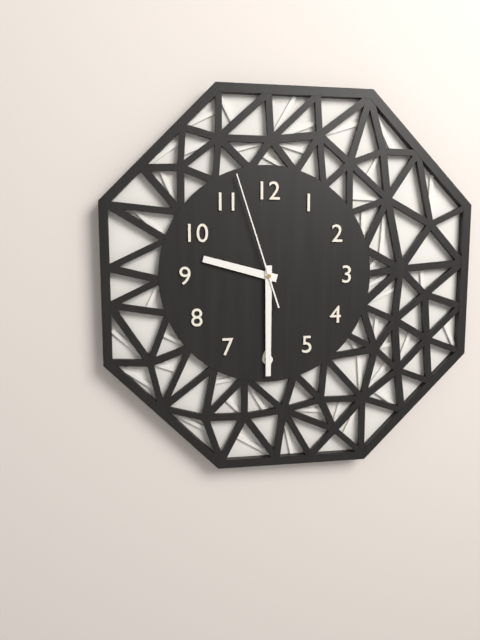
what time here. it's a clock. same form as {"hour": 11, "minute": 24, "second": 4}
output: {"hour": 9, "minute": 30, "second": 57}
